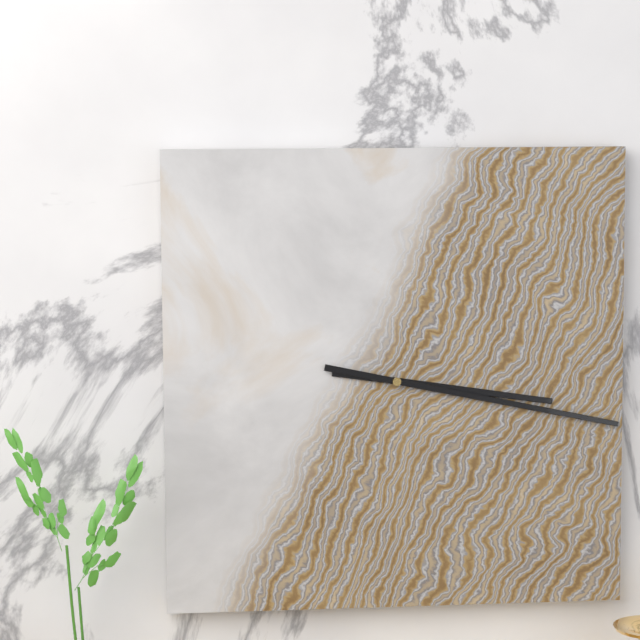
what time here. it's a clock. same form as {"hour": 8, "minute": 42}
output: {"hour": 3, "minute": 17}
